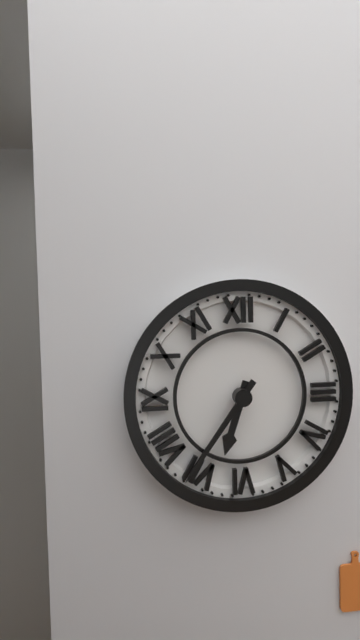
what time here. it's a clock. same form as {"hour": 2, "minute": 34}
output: {"hour": 6, "minute": 36}
